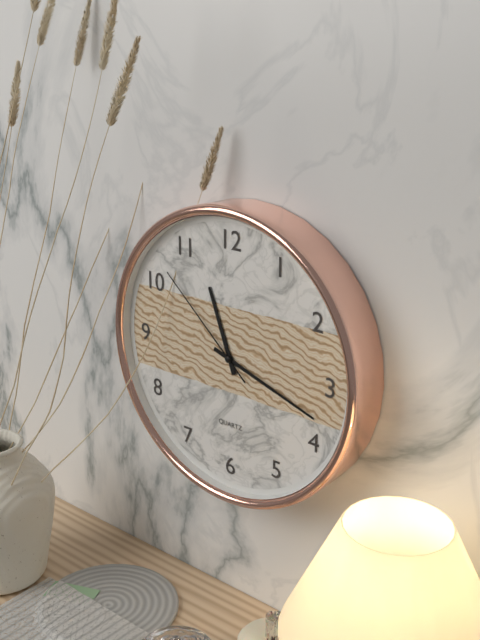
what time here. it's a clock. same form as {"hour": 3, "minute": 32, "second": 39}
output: {"hour": 11, "minute": 18, "second": 52}
